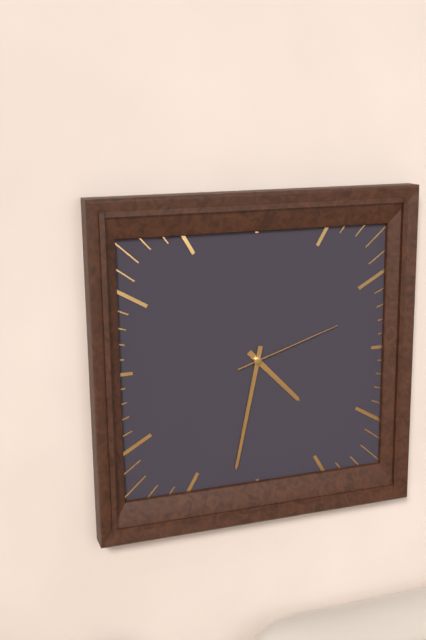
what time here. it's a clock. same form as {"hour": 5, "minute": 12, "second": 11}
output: {"hour": 4, "minute": 32, "second": 12}
